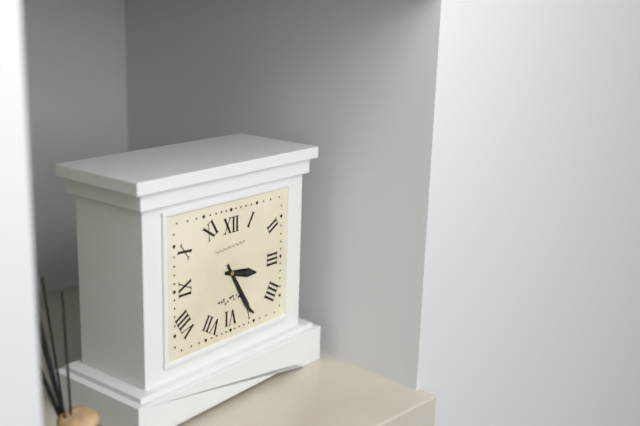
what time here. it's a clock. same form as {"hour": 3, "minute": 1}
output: {"hour": 3, "minute": 25}
